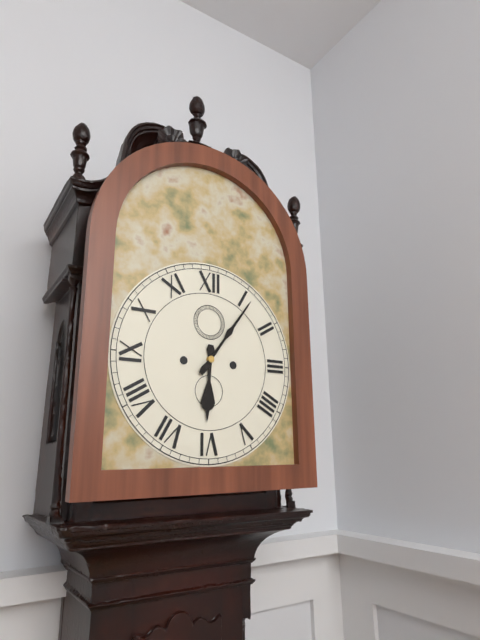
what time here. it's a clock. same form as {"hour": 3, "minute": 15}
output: {"hour": 6, "minute": 6}
